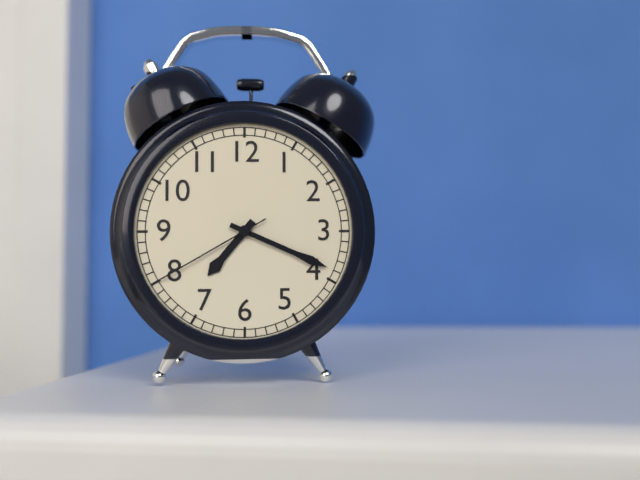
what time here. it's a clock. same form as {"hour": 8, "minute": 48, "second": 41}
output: {"hour": 7, "minute": 19, "second": 40}
